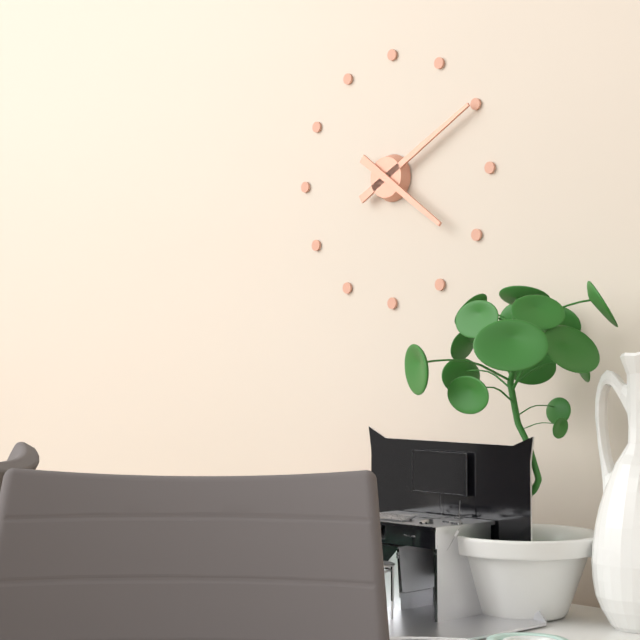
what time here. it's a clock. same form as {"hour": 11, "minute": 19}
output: {"hour": 4, "minute": 10}
